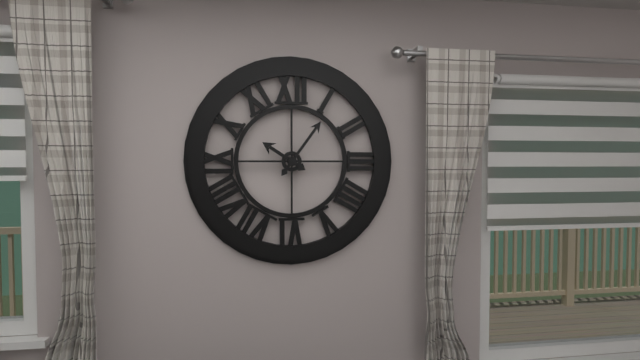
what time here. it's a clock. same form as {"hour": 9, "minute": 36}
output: {"hour": 10, "minute": 6}
